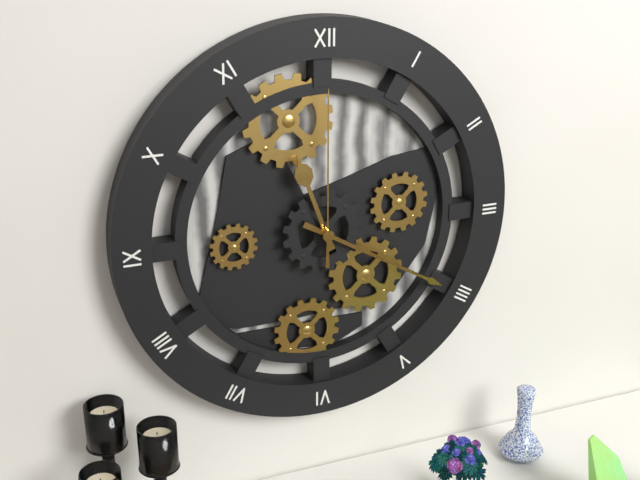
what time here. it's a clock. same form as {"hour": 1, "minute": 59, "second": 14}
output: {"hour": 11, "minute": 20, "second": 0}
